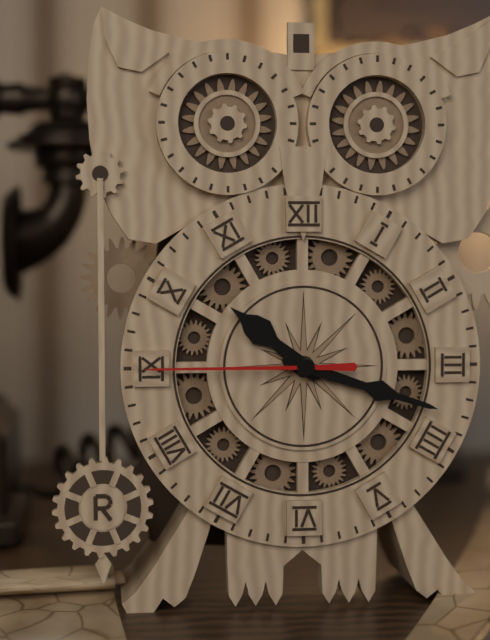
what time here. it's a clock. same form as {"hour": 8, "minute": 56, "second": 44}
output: {"hour": 10, "minute": 18, "second": 45}
